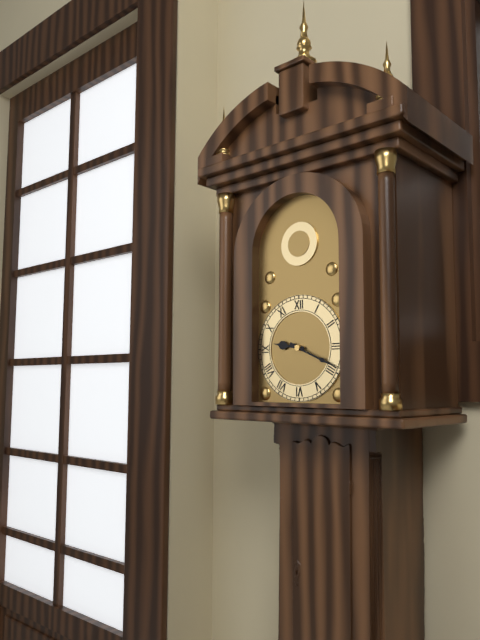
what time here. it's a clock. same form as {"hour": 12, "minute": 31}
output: {"hour": 9, "minute": 19}
